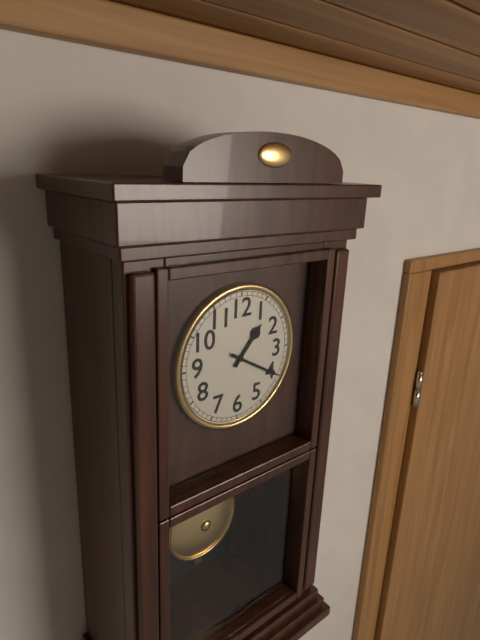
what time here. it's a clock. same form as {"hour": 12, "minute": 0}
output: {"hour": 1, "minute": 20}
